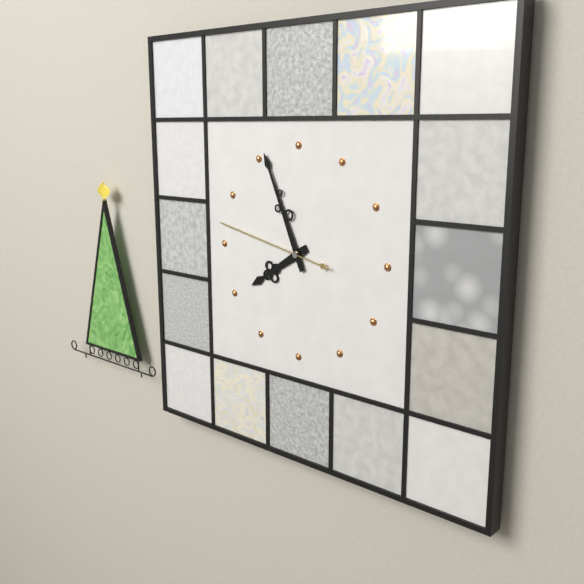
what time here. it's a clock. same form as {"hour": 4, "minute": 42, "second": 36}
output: {"hour": 7, "minute": 56, "second": 47}
